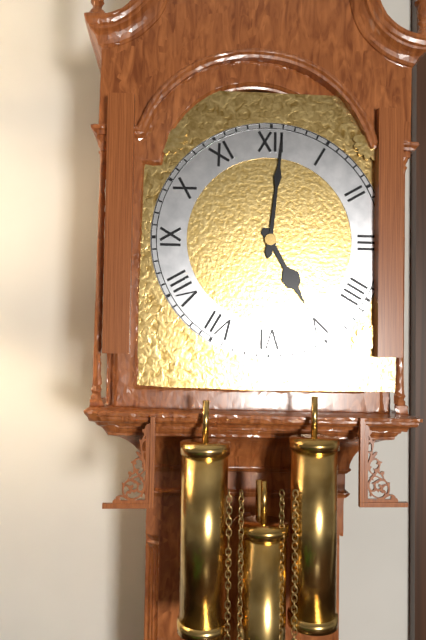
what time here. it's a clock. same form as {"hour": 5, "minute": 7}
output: {"hour": 5, "minute": 1}
